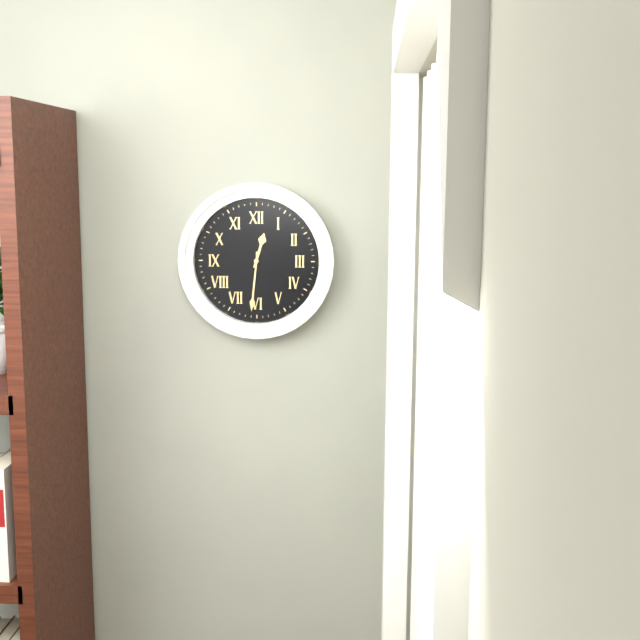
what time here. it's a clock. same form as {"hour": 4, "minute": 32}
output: {"hour": 12, "minute": 31}
